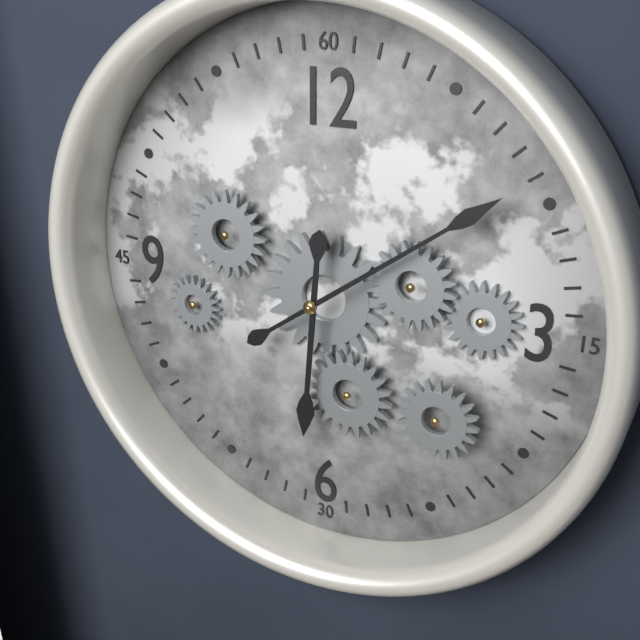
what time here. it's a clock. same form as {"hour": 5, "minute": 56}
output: {"hour": 6, "minute": 9}
